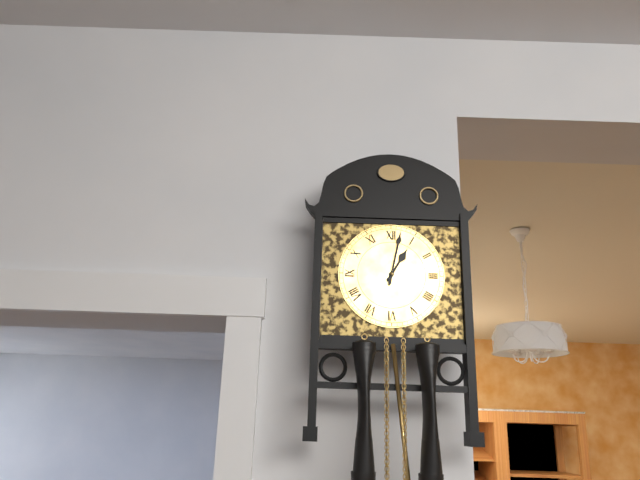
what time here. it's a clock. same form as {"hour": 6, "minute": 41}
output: {"hour": 1, "minute": 2}
